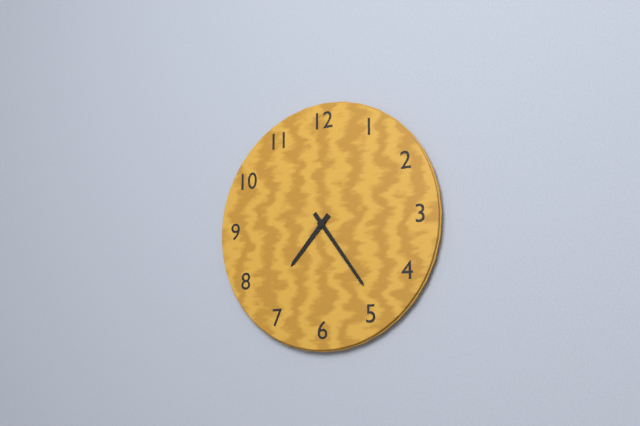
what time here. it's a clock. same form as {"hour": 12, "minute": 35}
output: {"hour": 7, "minute": 24}
